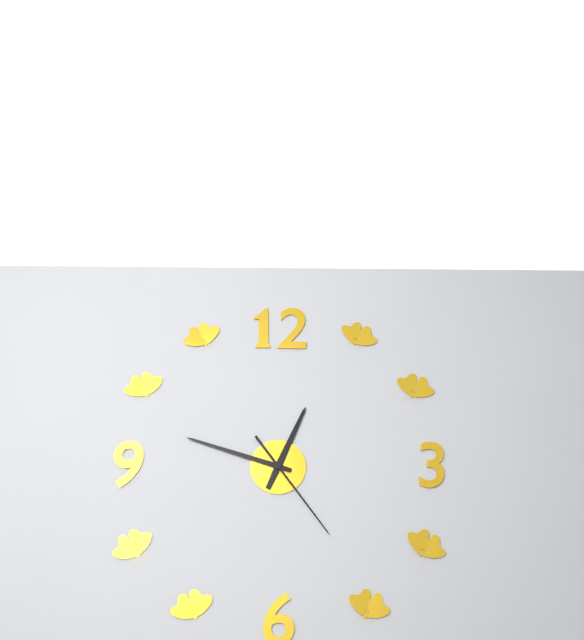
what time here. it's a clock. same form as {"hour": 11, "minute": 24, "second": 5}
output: {"hour": 12, "minute": 48, "second": 24}
